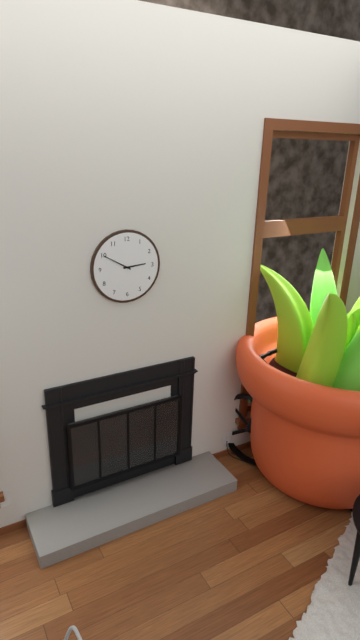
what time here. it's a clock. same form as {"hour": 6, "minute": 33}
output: {"hour": 2, "minute": 50}
